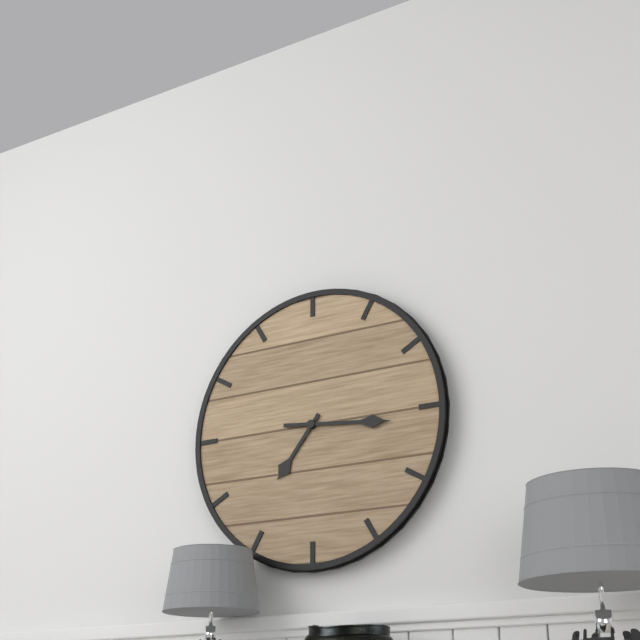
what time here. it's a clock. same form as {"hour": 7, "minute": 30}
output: {"hour": 7, "minute": 16}
